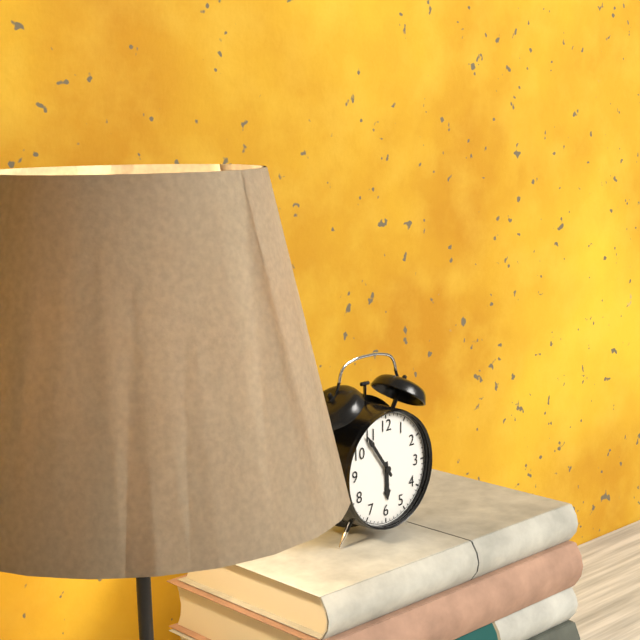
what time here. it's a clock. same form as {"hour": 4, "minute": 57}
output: {"hour": 5, "minute": 54}
